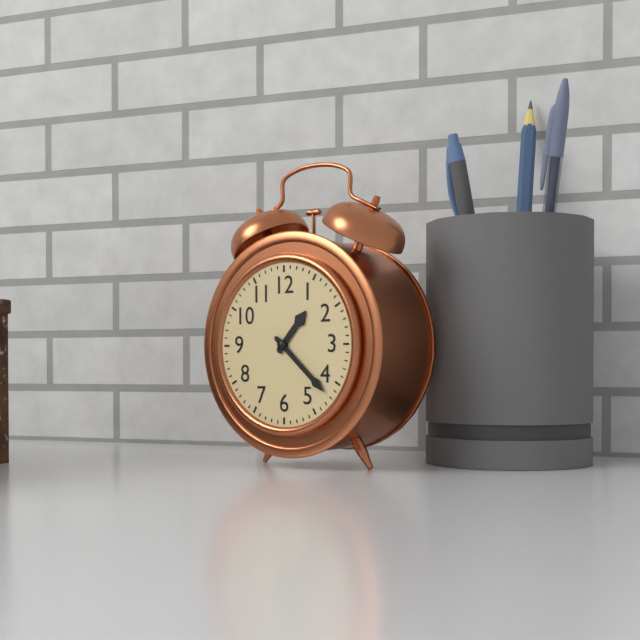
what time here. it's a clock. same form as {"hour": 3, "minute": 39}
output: {"hour": 1, "minute": 22}
